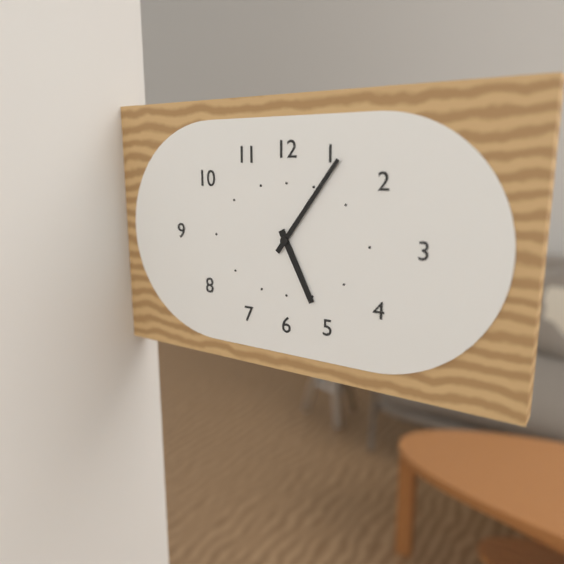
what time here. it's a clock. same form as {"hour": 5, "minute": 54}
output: {"hour": 5, "minute": 6}
